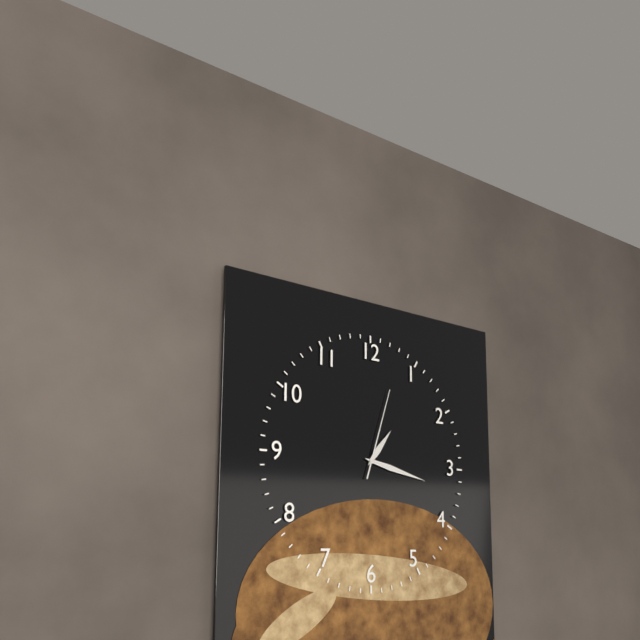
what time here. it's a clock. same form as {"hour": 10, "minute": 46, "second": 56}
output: {"hour": 1, "minute": 17, "second": 3}
